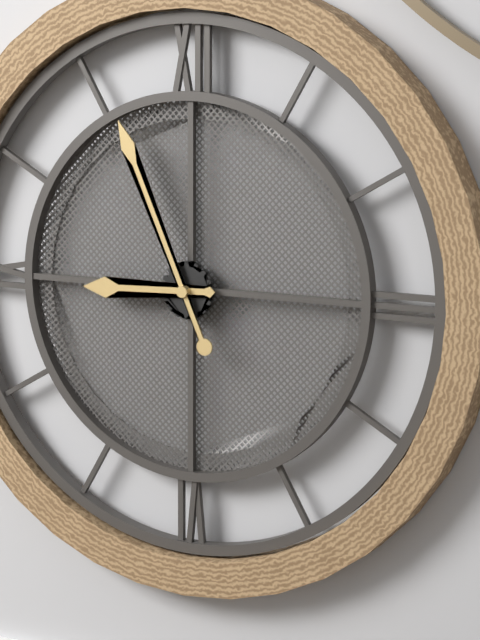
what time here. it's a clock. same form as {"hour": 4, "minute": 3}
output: {"hour": 8, "minute": 56}
